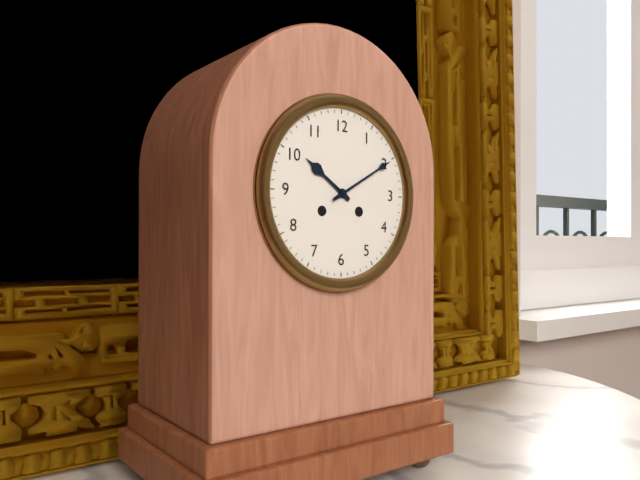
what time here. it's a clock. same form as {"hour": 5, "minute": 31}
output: {"hour": 10, "minute": 10}
